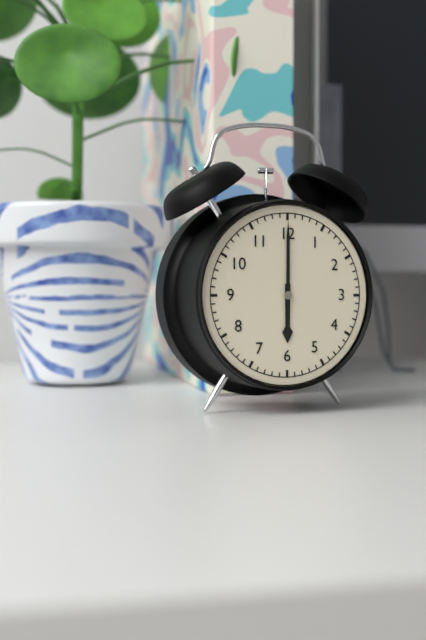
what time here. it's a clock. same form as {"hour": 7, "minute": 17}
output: {"hour": 6, "minute": 0}
